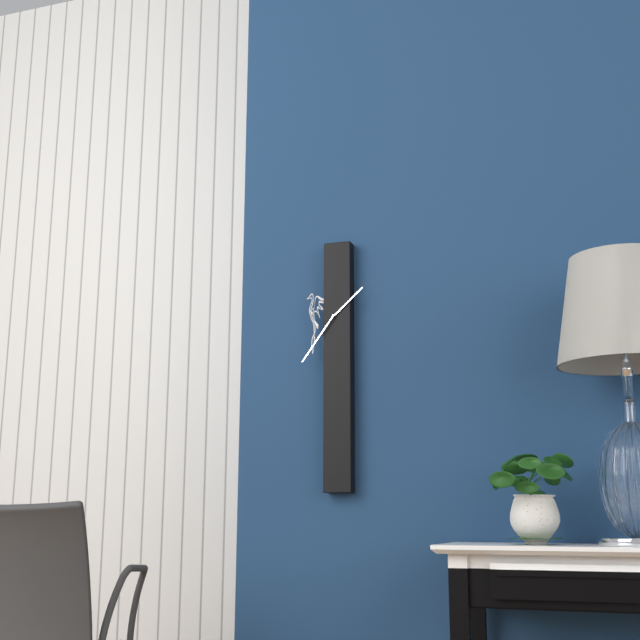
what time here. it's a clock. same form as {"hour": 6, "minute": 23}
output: {"hour": 1, "minute": 36}
